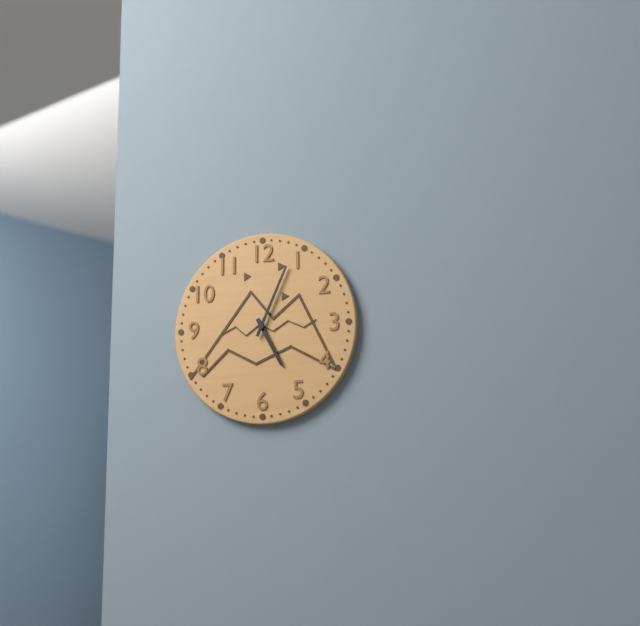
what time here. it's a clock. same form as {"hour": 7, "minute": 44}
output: {"hour": 5, "minute": 4}
